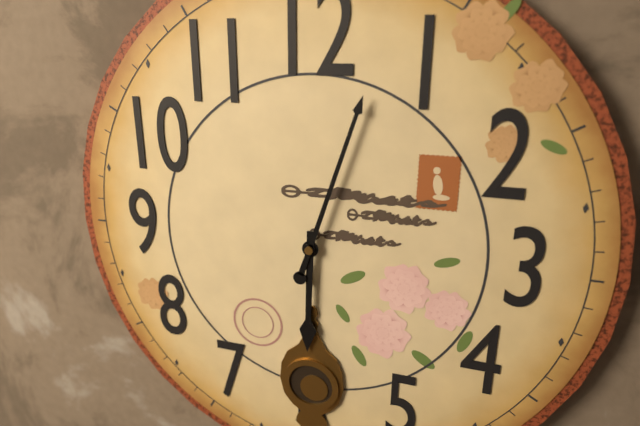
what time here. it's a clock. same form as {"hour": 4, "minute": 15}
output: {"hour": 6, "minute": 3}
